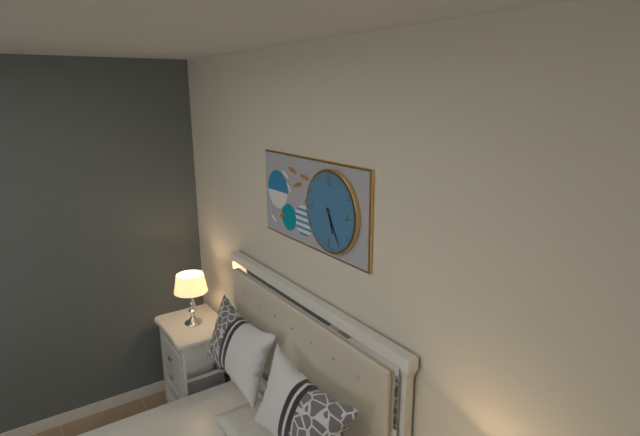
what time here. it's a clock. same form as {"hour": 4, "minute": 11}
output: {"hour": 5, "minute": 25}
